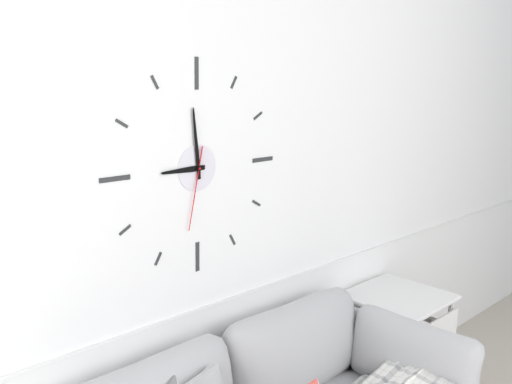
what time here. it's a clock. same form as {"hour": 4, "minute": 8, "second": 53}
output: {"hour": 8, "minute": 59, "second": 32}
